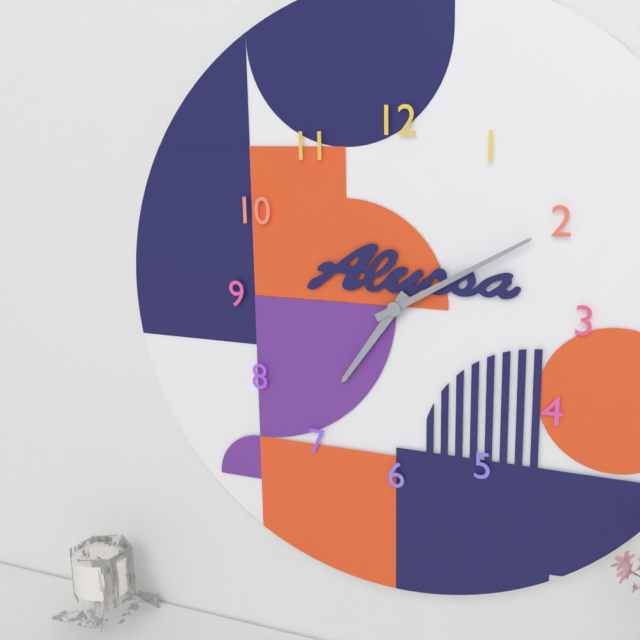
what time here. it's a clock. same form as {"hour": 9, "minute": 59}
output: {"hour": 7, "minute": 10}
